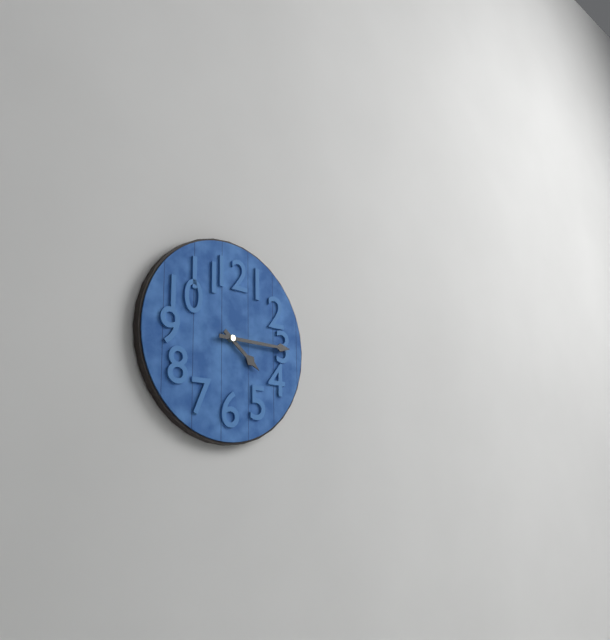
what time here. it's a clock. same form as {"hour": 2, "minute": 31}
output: {"hour": 4, "minute": 15}
